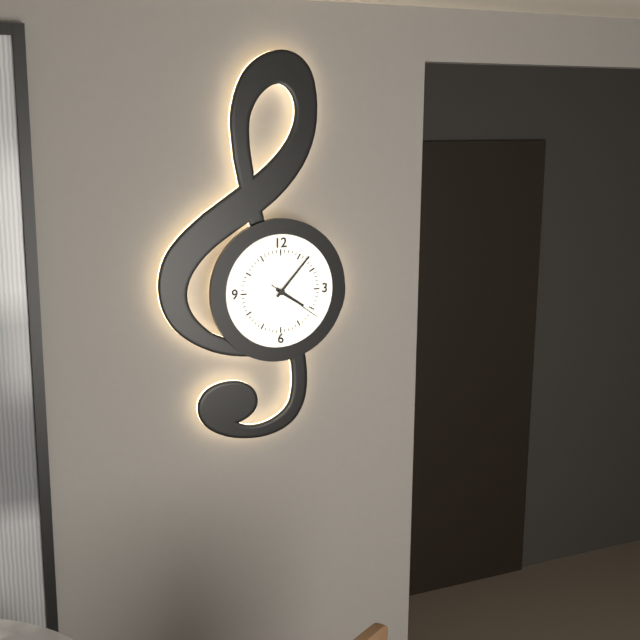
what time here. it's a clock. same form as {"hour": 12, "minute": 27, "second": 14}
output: {"hour": 4, "minute": 7, "second": 21}
